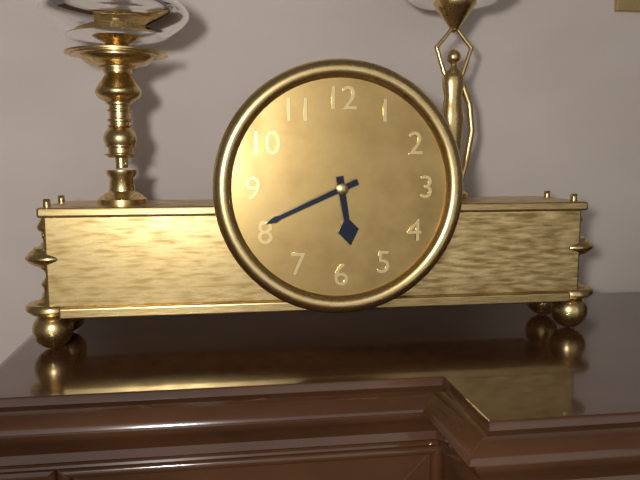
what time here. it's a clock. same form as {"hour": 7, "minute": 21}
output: {"hour": 5, "minute": 41}
